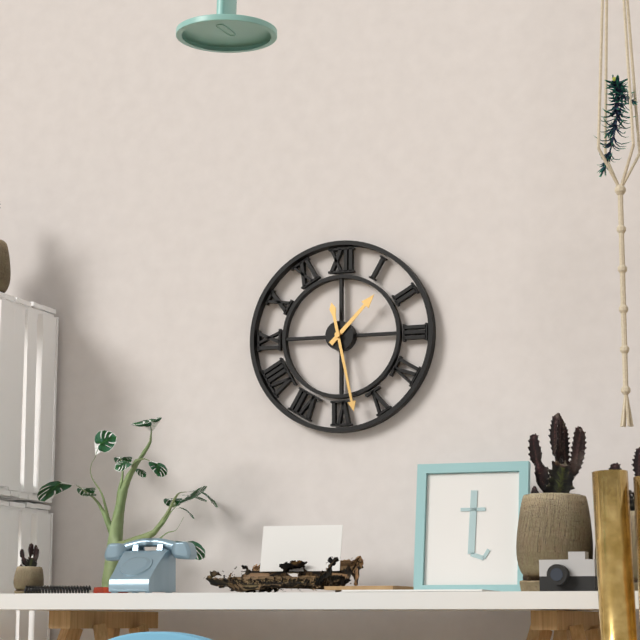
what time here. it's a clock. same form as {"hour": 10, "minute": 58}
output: {"hour": 1, "minute": 28}
